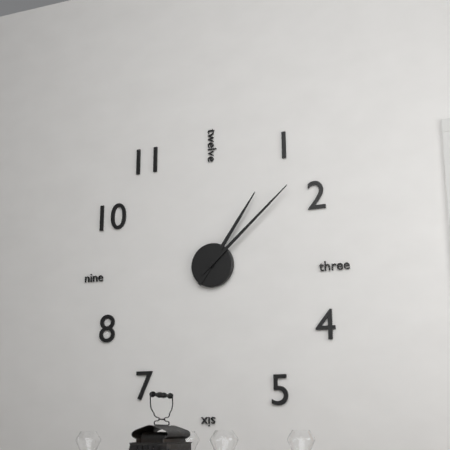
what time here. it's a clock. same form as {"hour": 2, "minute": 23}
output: {"hour": 1, "minute": 8}
